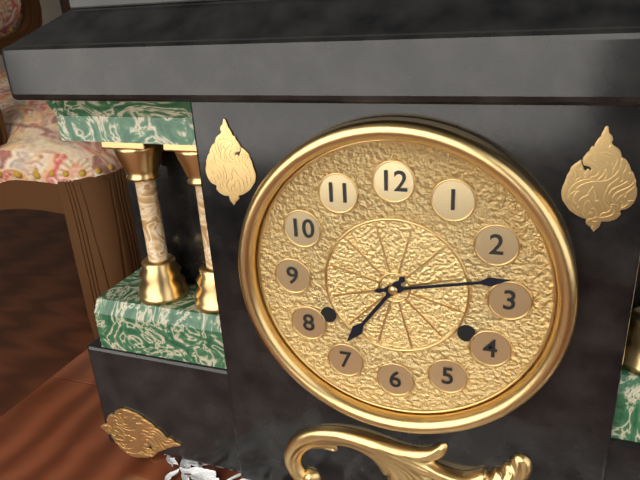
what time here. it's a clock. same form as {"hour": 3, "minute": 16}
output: {"hour": 7, "minute": 13}
